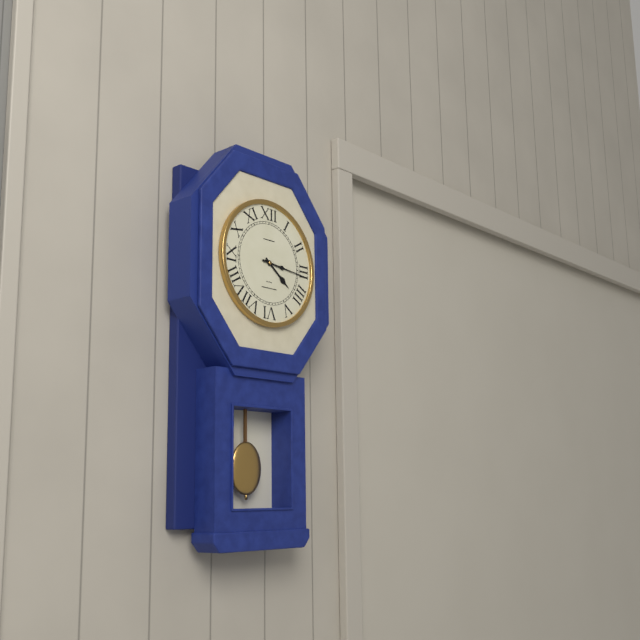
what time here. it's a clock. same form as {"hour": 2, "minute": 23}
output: {"hour": 4, "minute": 16}
